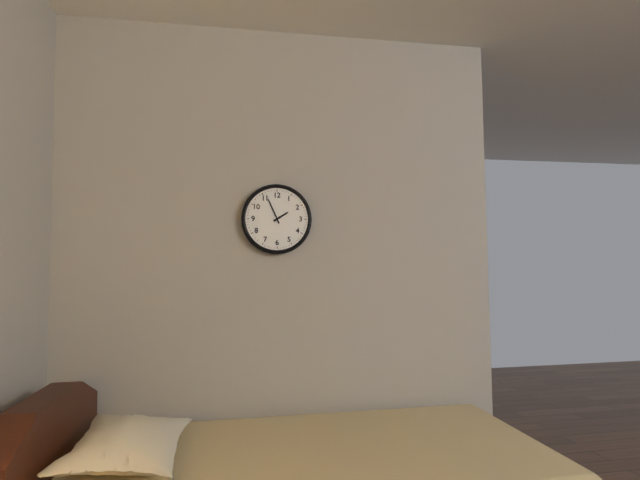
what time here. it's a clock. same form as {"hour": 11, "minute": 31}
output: {"hour": 1, "minute": 56}
